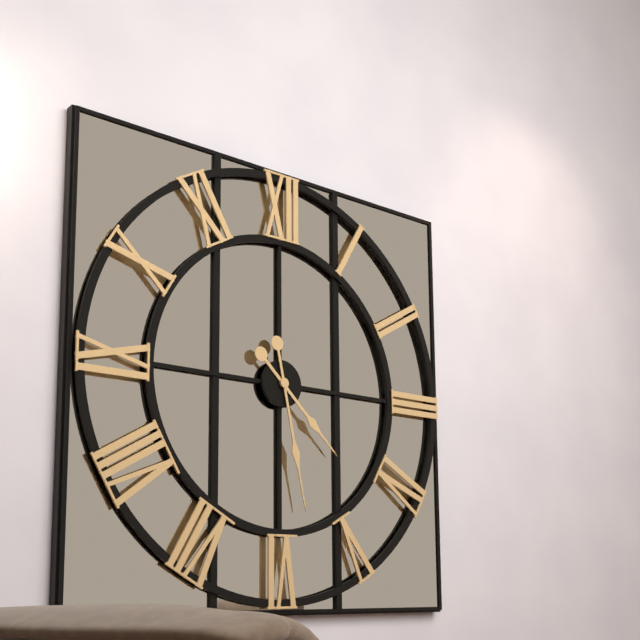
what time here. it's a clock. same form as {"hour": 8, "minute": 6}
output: {"hour": 4, "minute": 28}
